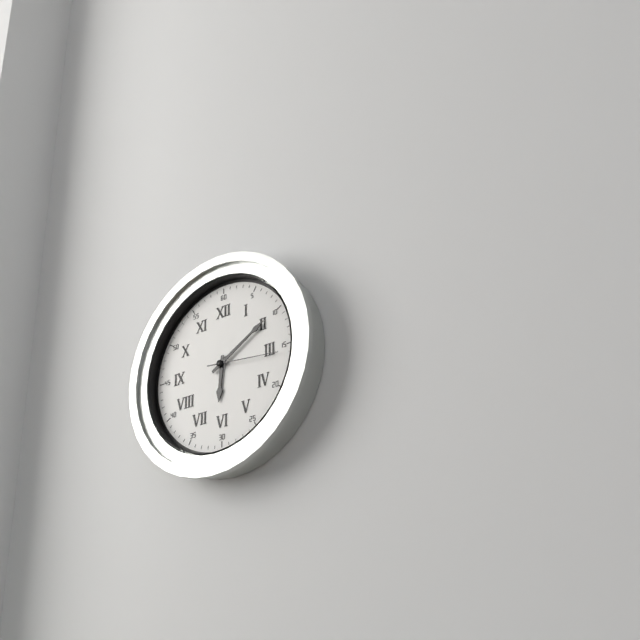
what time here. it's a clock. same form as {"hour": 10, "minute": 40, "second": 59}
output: {"hour": 6, "minute": 10, "second": 16}
